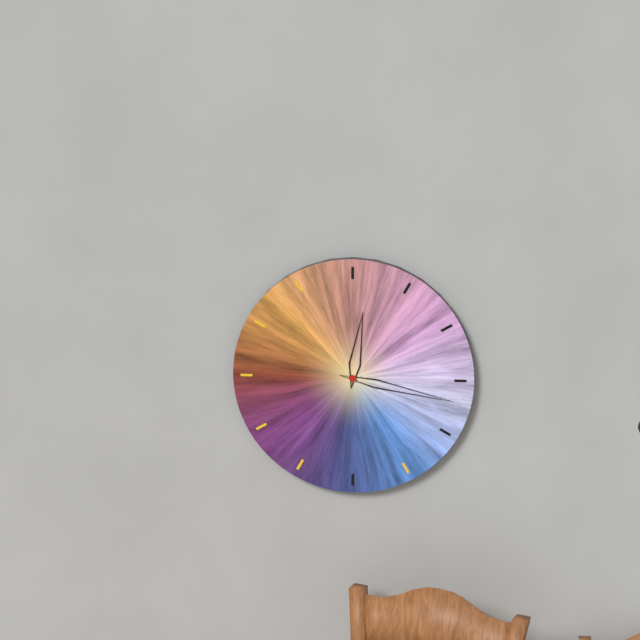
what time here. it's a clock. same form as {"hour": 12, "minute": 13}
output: {"hour": 12, "minute": 17}
